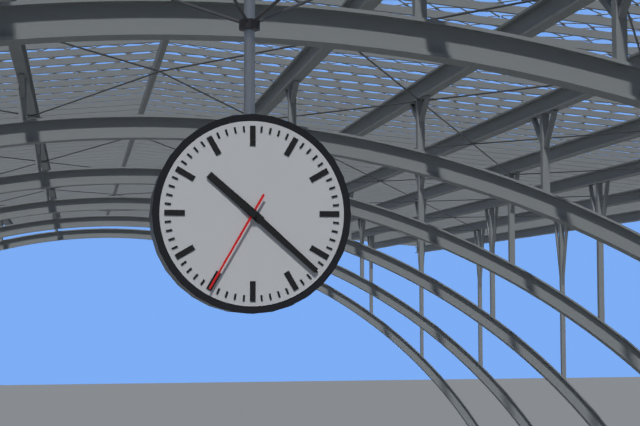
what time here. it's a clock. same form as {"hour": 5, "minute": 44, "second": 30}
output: {"hour": 10, "minute": 22, "second": 35}
